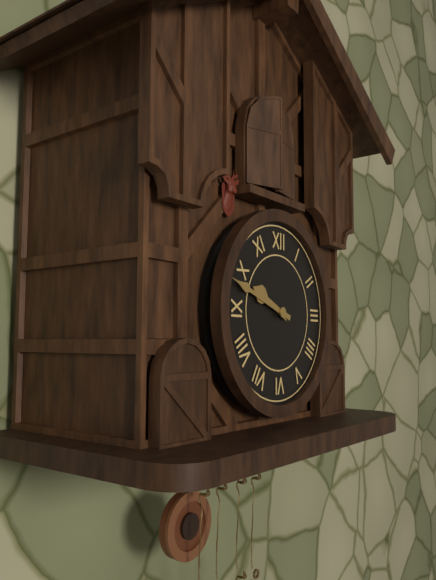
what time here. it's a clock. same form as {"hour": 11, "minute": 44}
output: {"hour": 9, "minute": 48}
